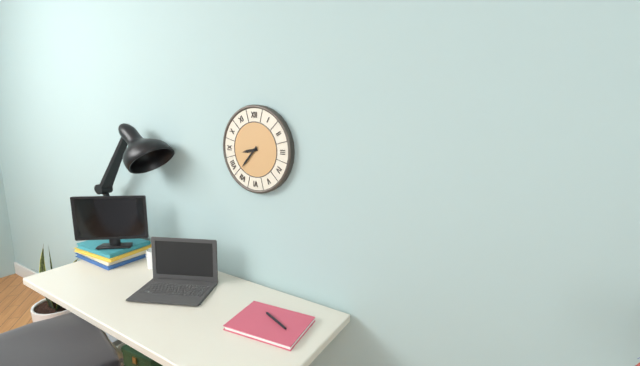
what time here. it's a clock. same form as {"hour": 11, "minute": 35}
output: {"hour": 8, "minute": 37}
